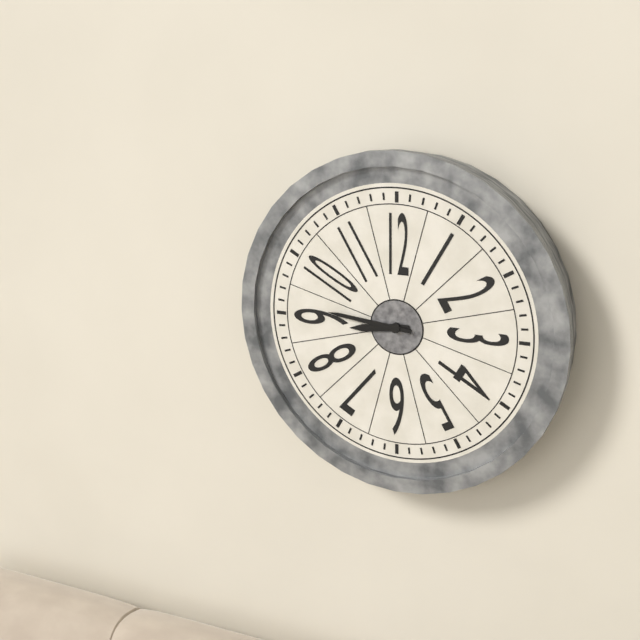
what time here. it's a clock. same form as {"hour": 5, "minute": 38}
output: {"hour": 8, "minute": 46}
